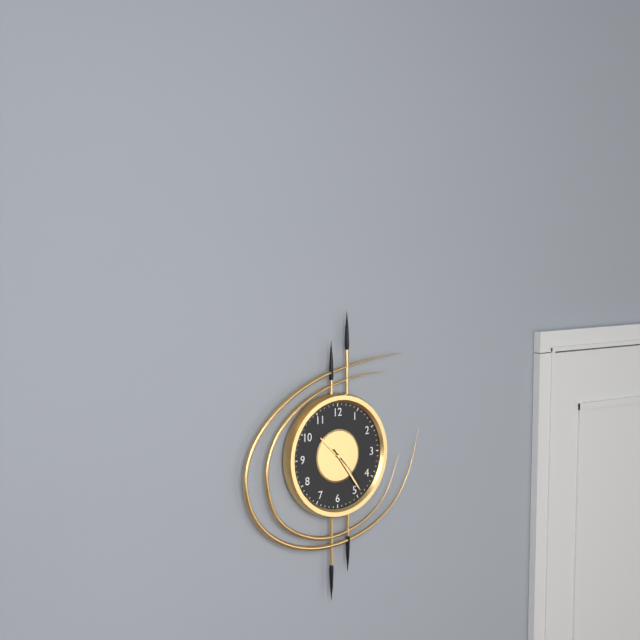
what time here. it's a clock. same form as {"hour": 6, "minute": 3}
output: {"hour": 10, "minute": 24}
